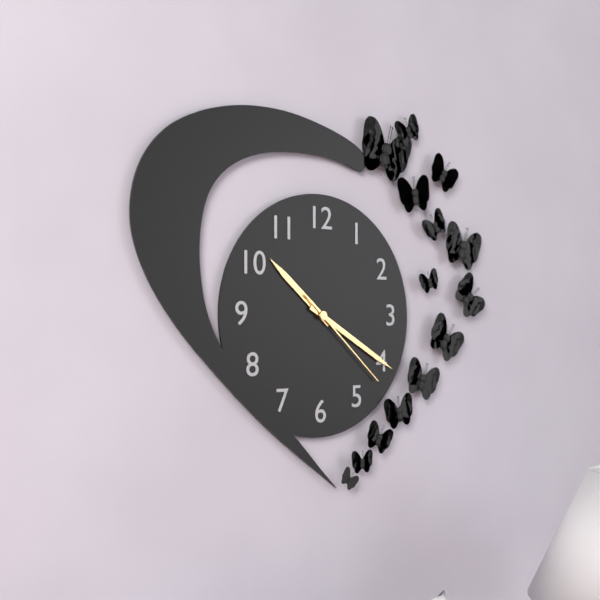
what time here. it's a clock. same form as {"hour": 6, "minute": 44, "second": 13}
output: {"hour": 10, "minute": 20, "second": 22}
